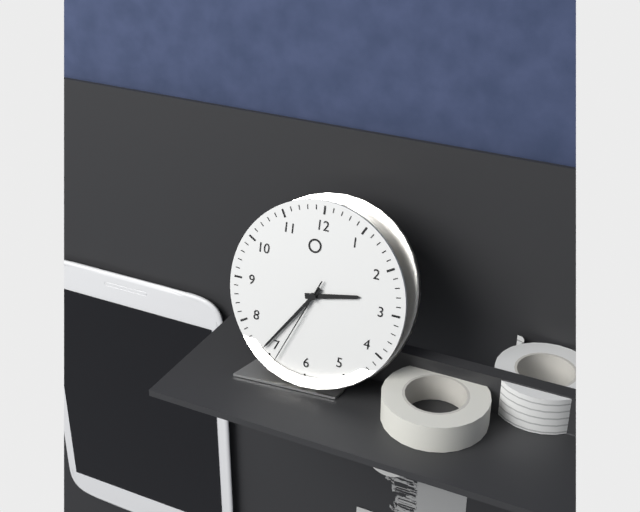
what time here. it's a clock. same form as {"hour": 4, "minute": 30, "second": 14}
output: {"hour": 2, "minute": 36, "second": 34}
